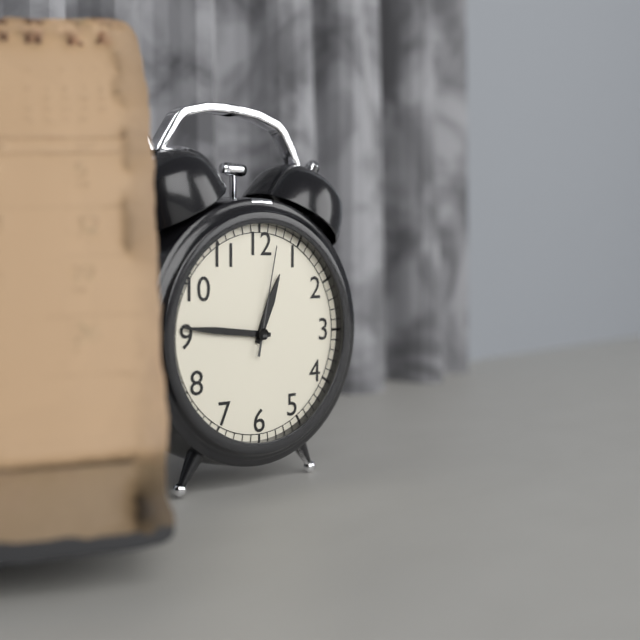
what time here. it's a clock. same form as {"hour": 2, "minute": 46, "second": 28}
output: {"hour": 12, "minute": 46, "second": 2}
